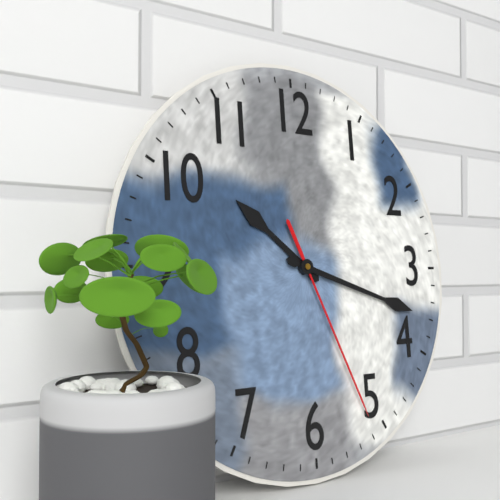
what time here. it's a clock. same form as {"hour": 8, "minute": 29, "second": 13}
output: {"hour": 10, "minute": 18, "second": 26}
